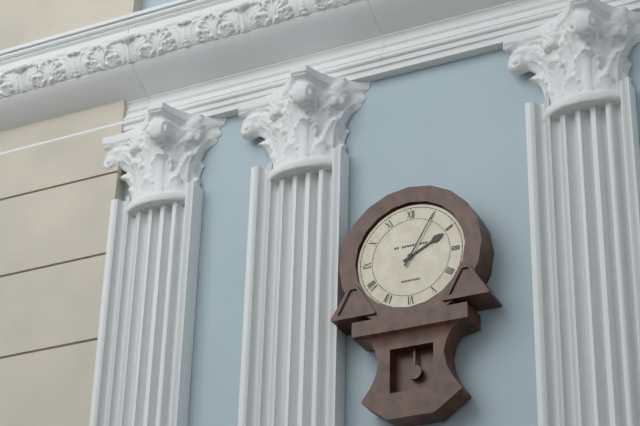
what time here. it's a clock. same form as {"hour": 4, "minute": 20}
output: {"hour": 2, "minute": 5}
